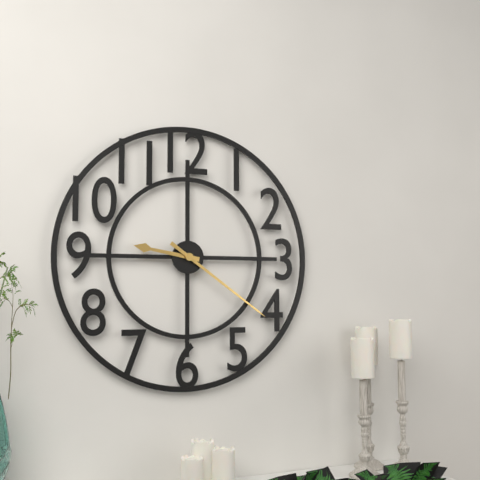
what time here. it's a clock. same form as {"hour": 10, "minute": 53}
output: {"hour": 9, "minute": 21}
